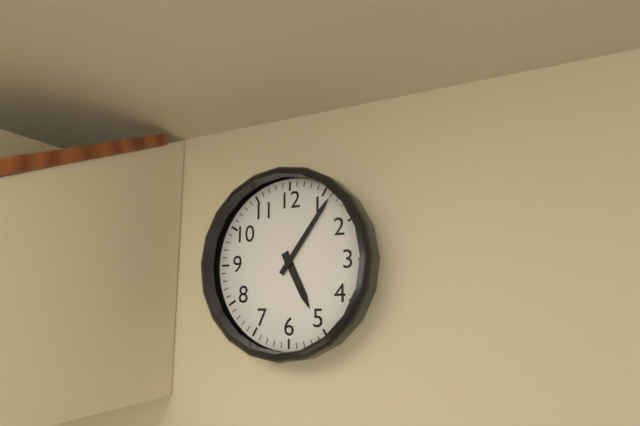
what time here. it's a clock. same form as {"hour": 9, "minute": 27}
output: {"hour": 5, "minute": 6}
